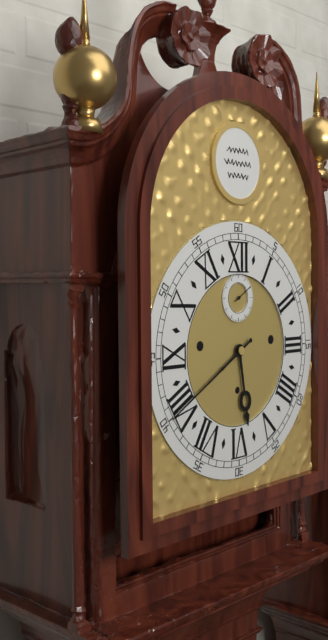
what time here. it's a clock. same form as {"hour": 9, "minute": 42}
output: {"hour": 5, "minute": 40}
